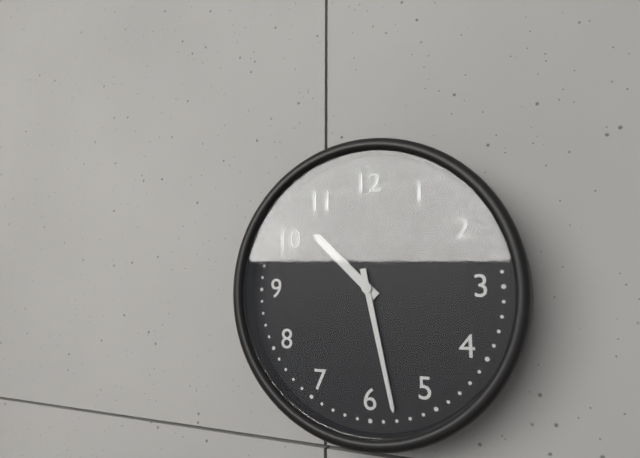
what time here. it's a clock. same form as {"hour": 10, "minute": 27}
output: {"hour": 10, "minute": 28}
